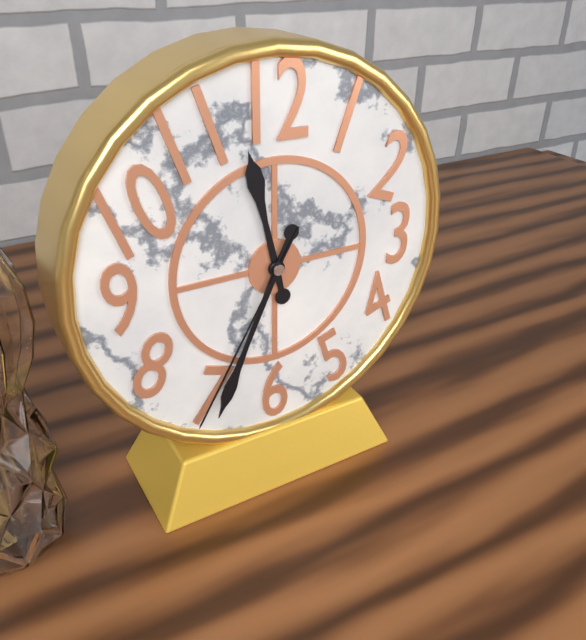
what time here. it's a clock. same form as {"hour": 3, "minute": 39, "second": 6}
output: {"hour": 11, "minute": 34, "second": 35}
